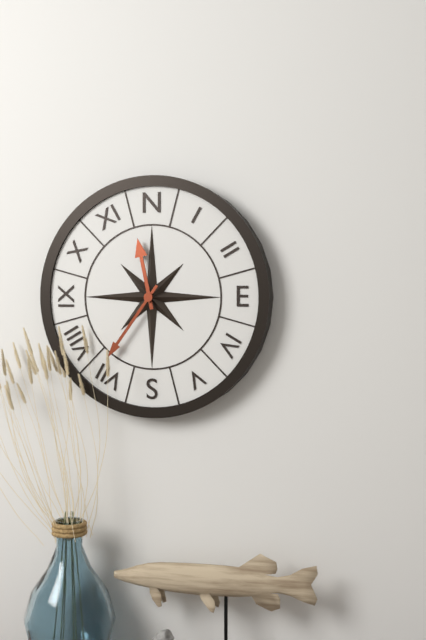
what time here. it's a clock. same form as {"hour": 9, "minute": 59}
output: {"hour": 11, "minute": 36}
